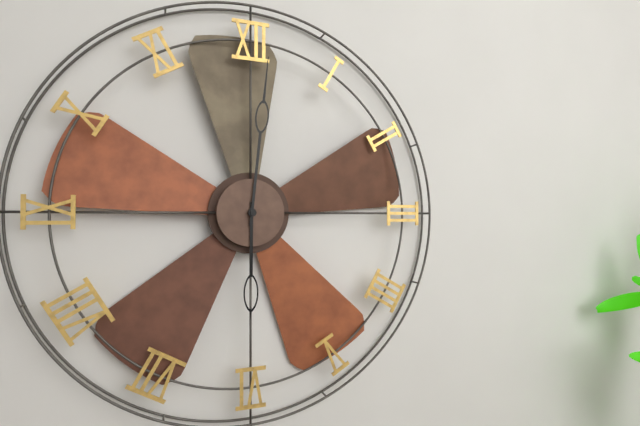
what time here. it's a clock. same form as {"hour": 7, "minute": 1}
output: {"hour": 6, "minute": 1}
